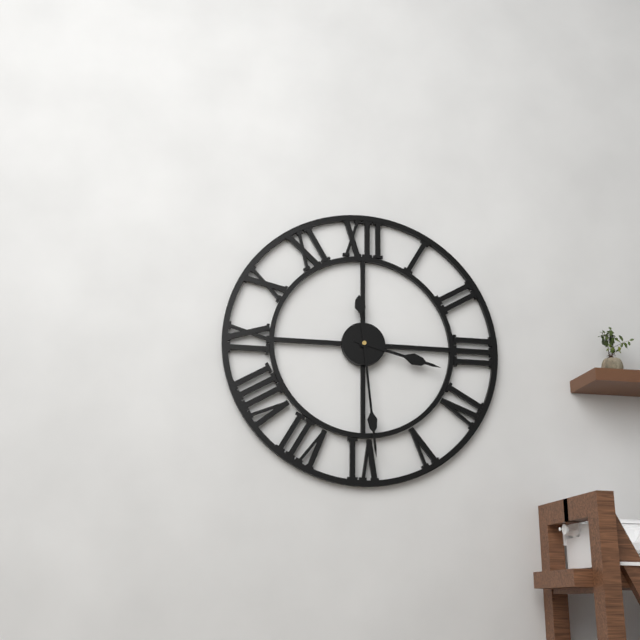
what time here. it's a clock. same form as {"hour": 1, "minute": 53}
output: {"hour": 3, "minute": 29}
